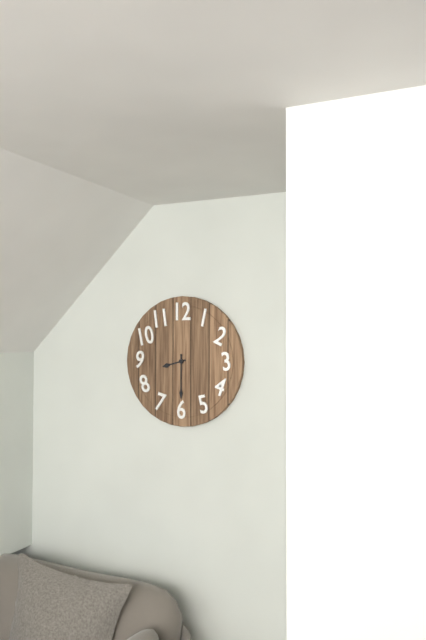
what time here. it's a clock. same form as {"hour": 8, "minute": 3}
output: {"hour": 8, "minute": 30}
